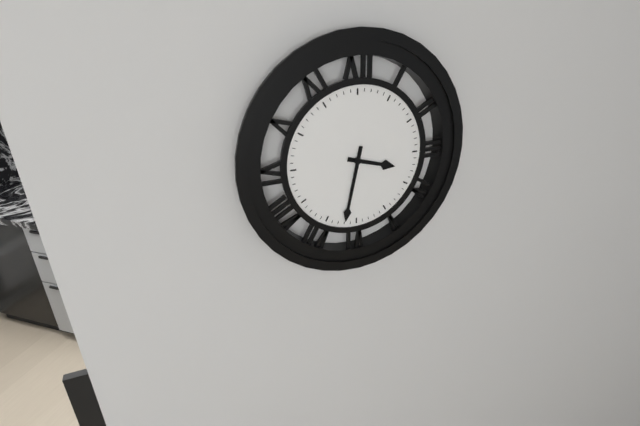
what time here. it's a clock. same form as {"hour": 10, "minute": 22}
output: {"hour": 3, "minute": 32}
